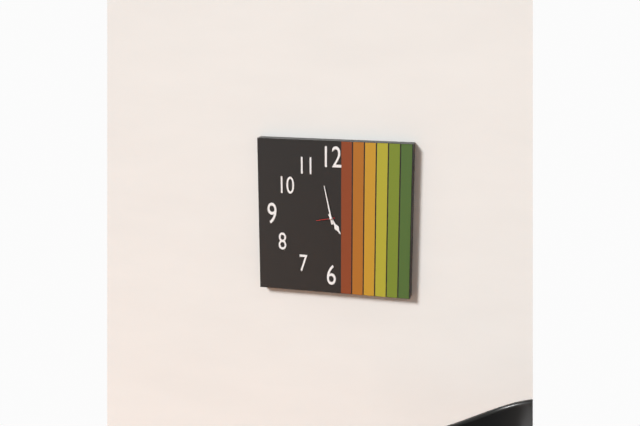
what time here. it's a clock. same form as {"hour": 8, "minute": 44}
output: {"hour": 4, "minute": 58}
